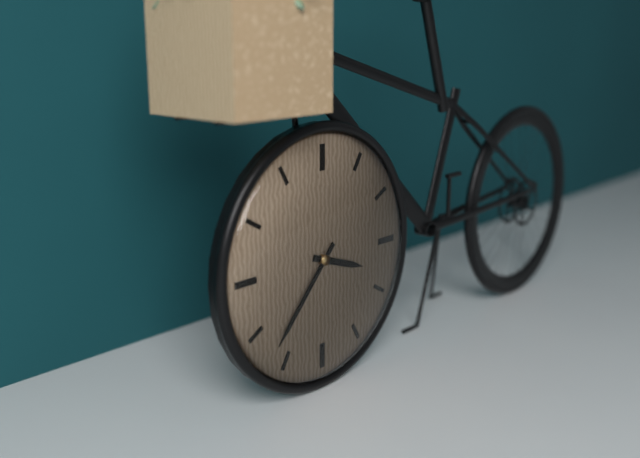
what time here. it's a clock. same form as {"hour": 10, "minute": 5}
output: {"hour": 3, "minute": 37}
